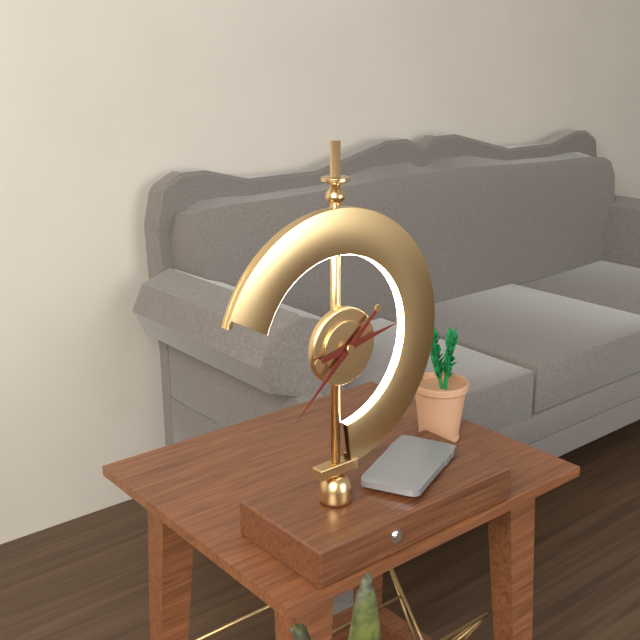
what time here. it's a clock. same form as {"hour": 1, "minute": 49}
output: {"hour": 2, "minute": 38}
